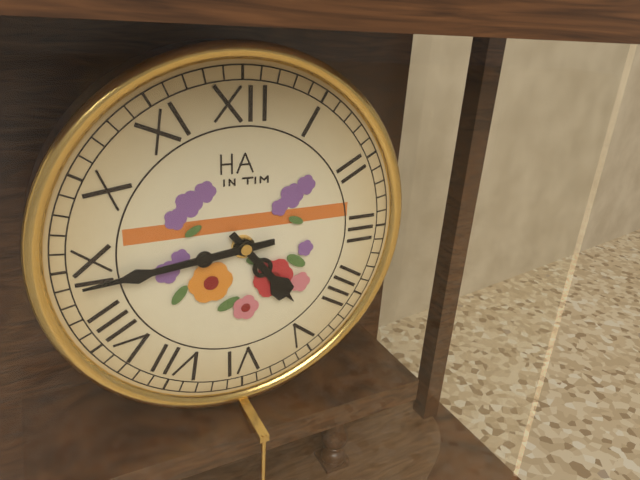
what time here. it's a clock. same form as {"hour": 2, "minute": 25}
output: {"hour": 4, "minute": 44}
